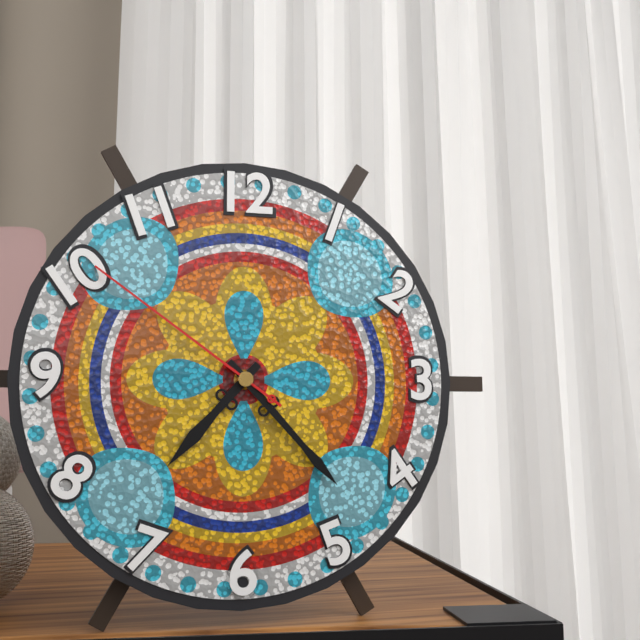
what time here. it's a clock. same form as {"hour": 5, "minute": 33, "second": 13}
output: {"hour": 7, "minute": 23, "second": 51}
